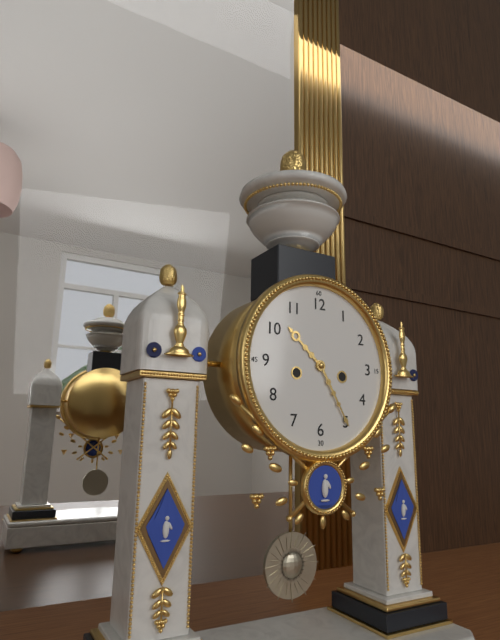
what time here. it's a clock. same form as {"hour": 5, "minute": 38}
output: {"hour": 10, "minute": 25}
